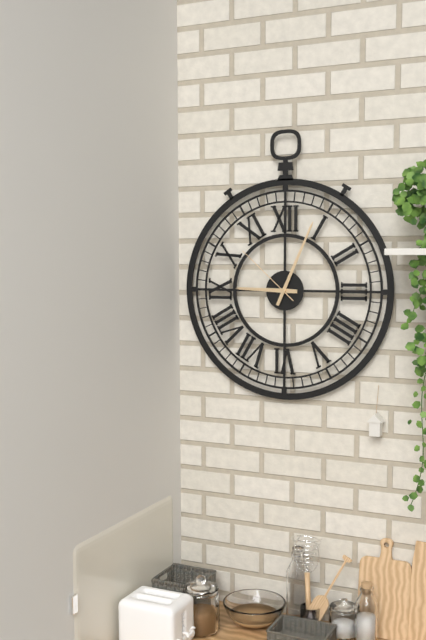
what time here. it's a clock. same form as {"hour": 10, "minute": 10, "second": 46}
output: {"hour": 9, "minute": 4, "second": 52}
